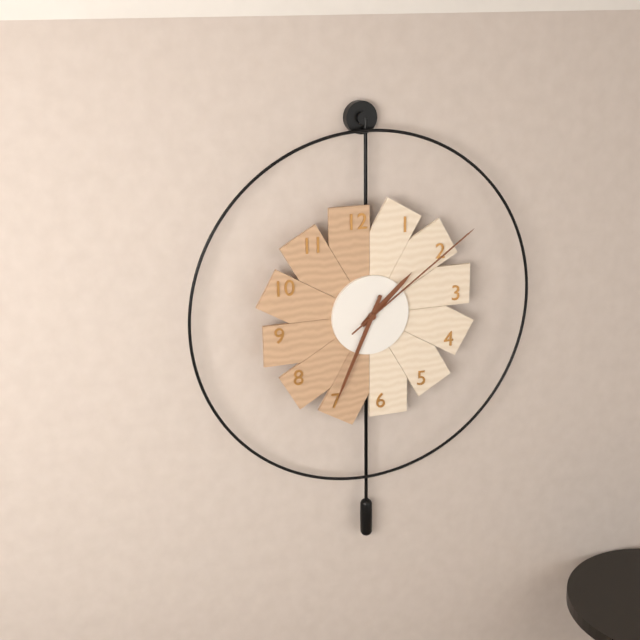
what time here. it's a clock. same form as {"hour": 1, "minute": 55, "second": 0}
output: {"hour": 1, "minute": 34, "second": 9}
